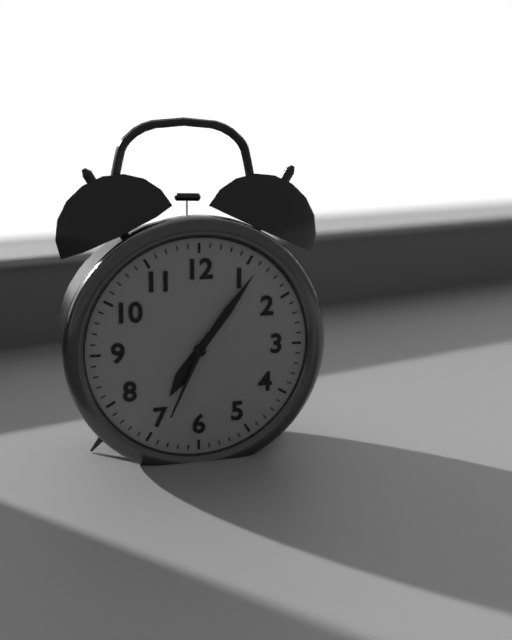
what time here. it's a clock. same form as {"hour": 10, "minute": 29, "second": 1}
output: {"hour": 7, "minute": 6, "second": 34}
